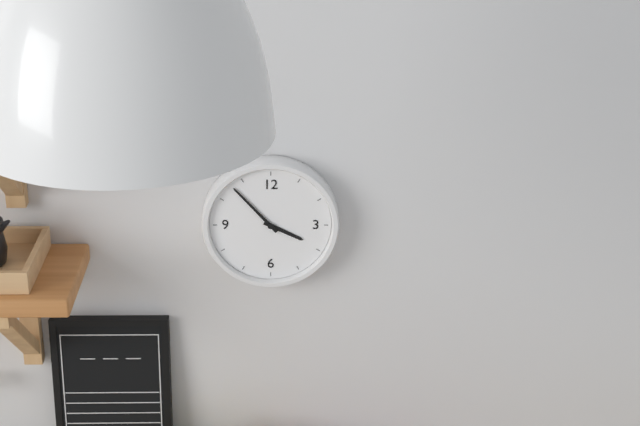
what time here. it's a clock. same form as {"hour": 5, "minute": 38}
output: {"hour": 3, "minute": 53}
